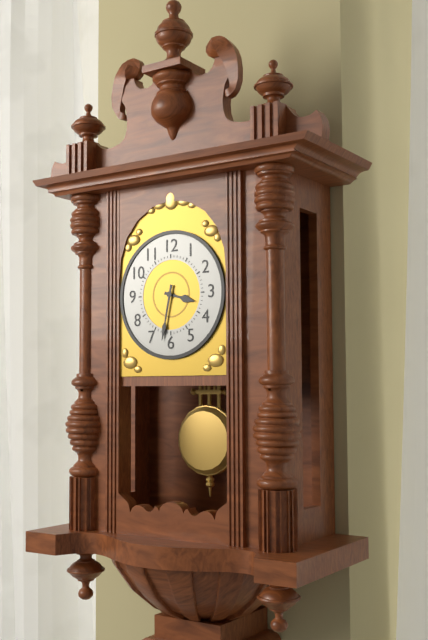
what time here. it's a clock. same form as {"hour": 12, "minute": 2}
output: {"hour": 3, "minute": 32}
